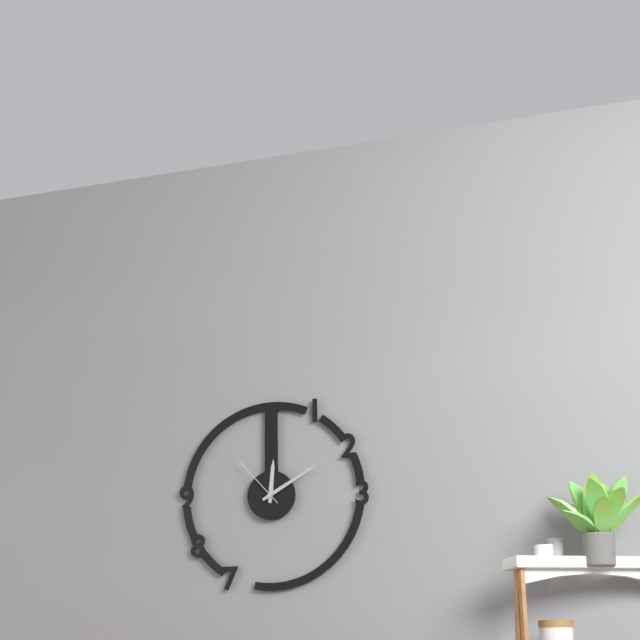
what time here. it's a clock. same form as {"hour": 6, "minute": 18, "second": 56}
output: {"hour": 12, "minute": 10, "second": 53}
